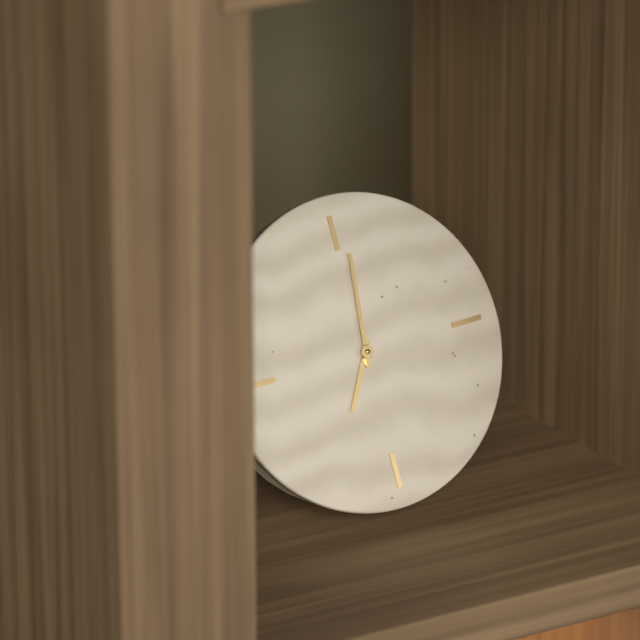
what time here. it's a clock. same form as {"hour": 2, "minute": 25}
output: {"hour": 7, "minute": 1}
